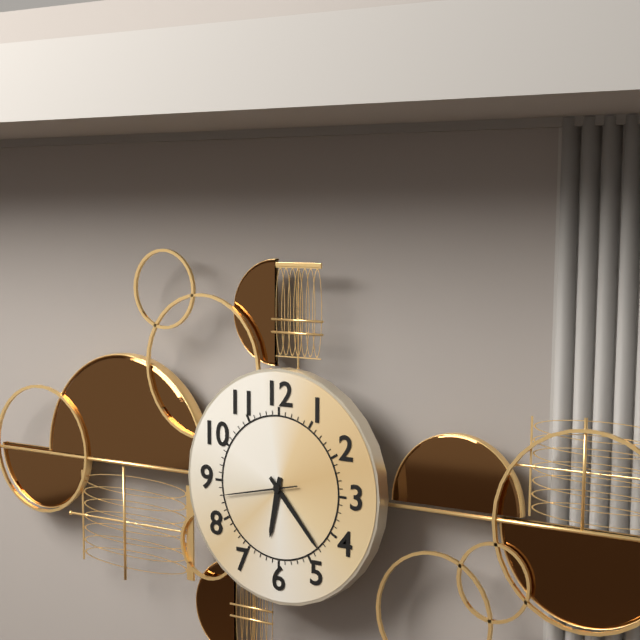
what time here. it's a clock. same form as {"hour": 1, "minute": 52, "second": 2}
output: {"hour": 6, "minute": 23, "second": 43}
